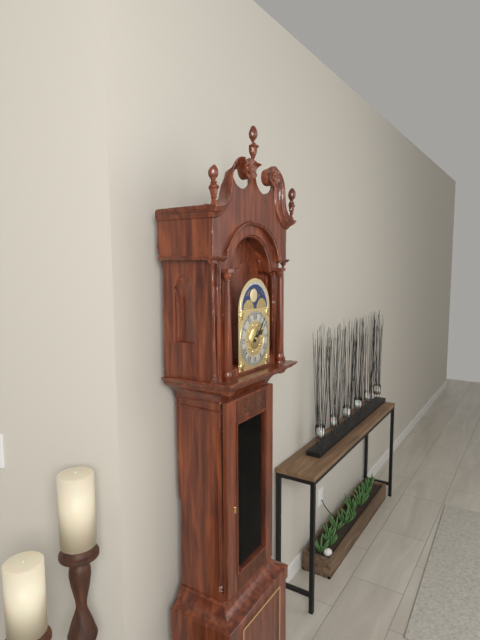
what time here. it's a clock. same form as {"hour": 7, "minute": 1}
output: {"hour": 2, "minute": 7}
